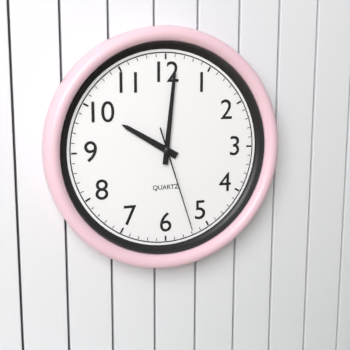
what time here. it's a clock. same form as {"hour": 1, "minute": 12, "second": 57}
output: {"hour": 10, "minute": 1, "second": 27}
